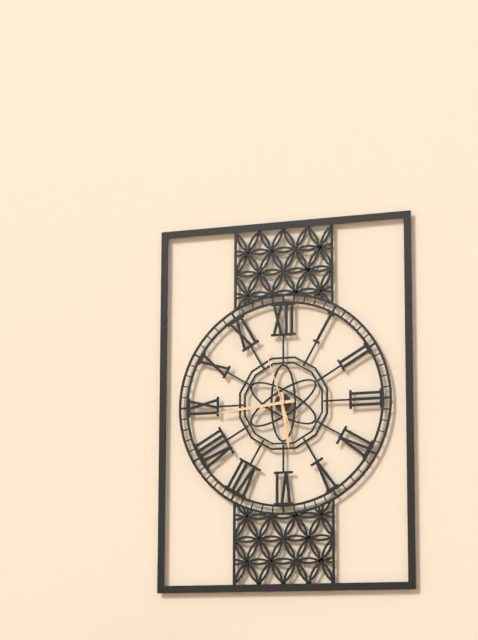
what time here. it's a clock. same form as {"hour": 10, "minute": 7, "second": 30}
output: {"hour": 5, "minute": 44, "second": 57}
